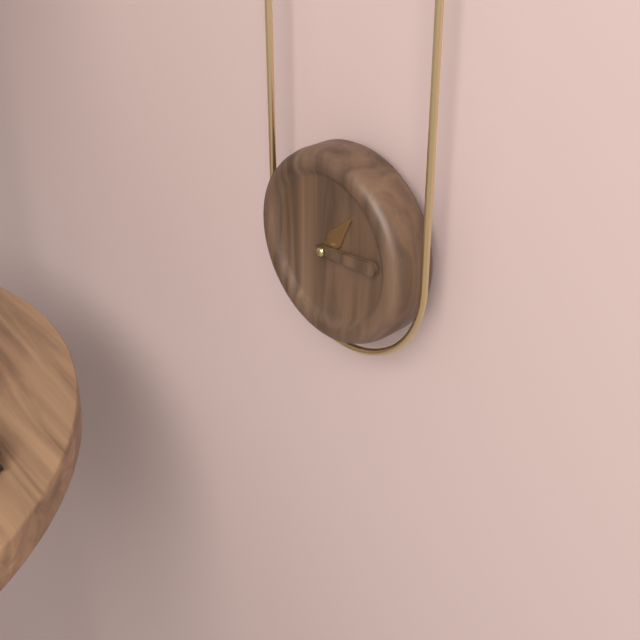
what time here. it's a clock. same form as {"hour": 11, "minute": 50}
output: {"hour": 1, "minute": 14}
